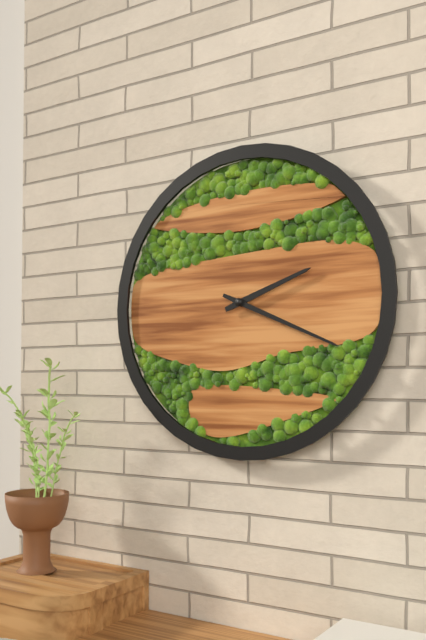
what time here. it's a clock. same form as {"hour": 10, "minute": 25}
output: {"hour": 2, "minute": 19}
